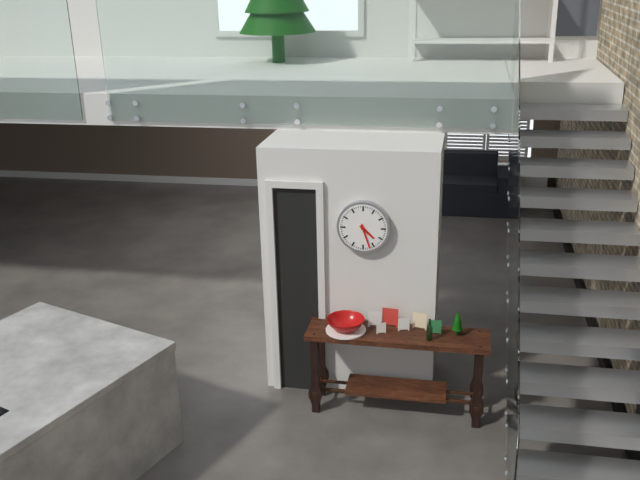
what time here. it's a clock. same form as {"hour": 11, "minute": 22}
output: {"hour": 4, "minute": 27}
